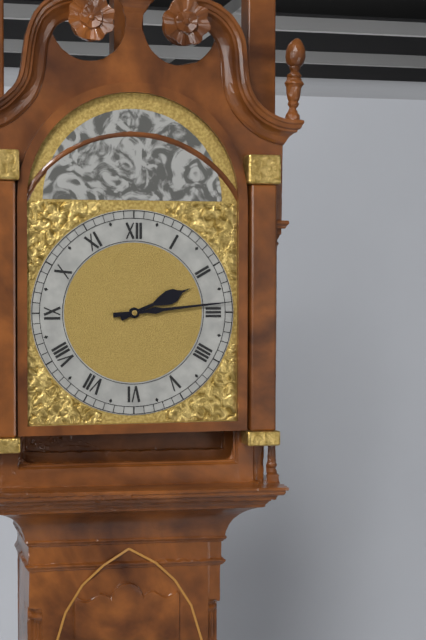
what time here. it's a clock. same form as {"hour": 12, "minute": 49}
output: {"hour": 2, "minute": 14}
